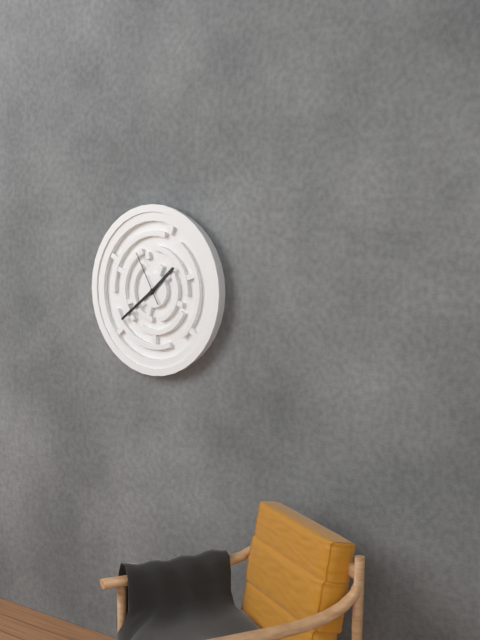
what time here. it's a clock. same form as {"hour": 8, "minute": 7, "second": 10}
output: {"hour": 1, "minute": 39, "second": 55}
